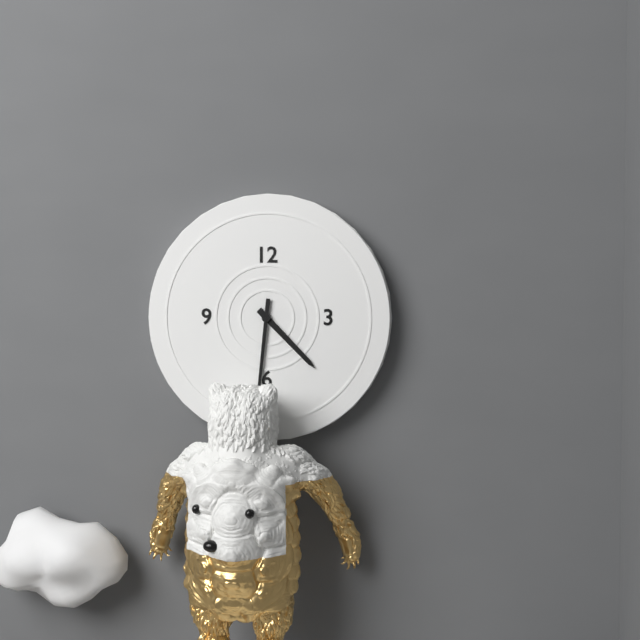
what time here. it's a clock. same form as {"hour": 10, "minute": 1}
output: {"hour": 4, "minute": 31}
